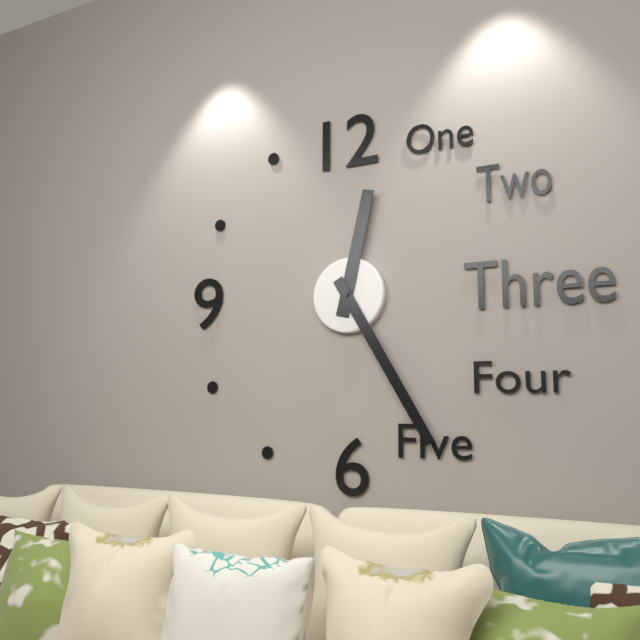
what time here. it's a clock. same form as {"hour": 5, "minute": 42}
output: {"hour": 12, "minute": 25}
